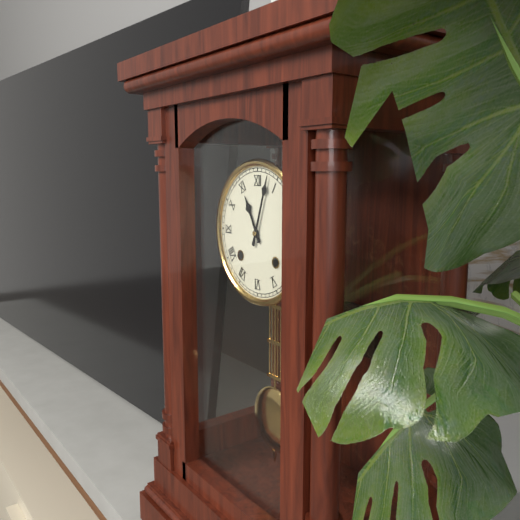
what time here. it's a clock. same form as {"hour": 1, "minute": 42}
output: {"hour": 11, "minute": 3}
